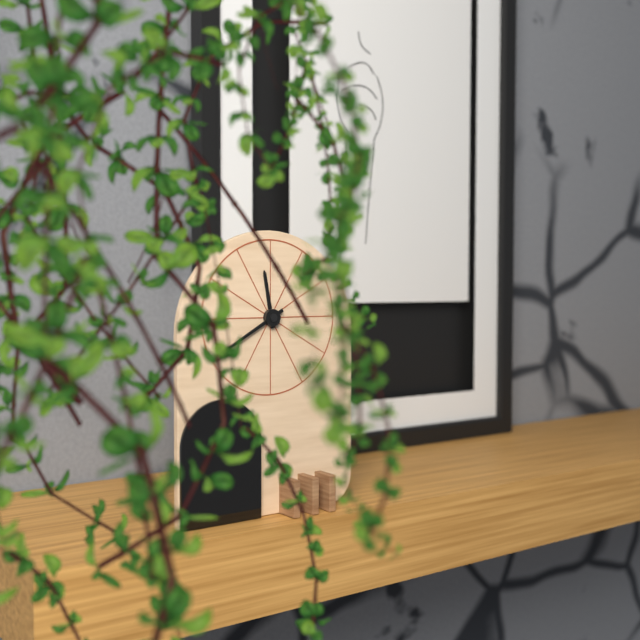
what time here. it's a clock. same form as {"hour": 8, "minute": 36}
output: {"hour": 11, "minute": 40}
